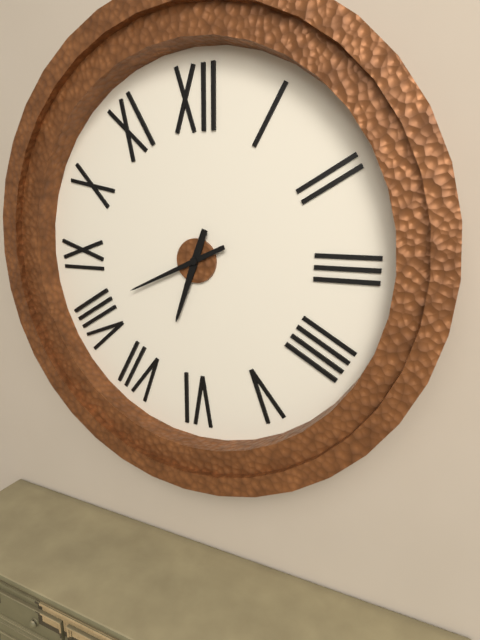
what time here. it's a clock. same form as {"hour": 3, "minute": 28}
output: {"hour": 6, "minute": 41}
